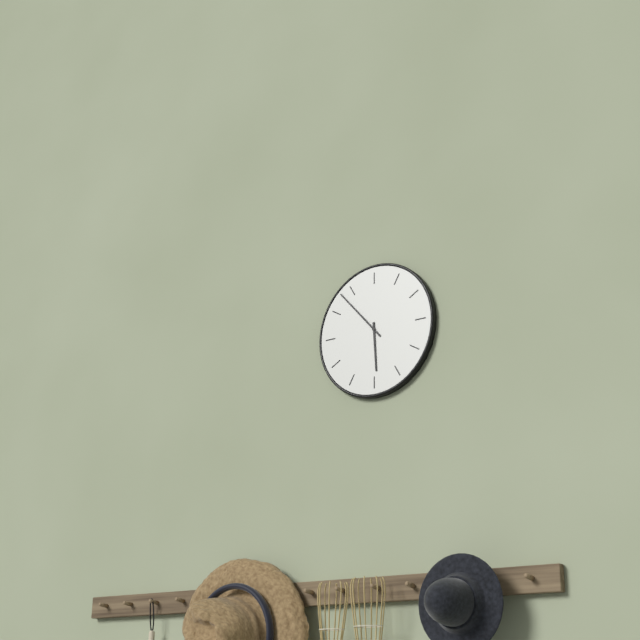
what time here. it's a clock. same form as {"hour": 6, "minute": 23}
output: {"hour": 5, "minute": 53}
